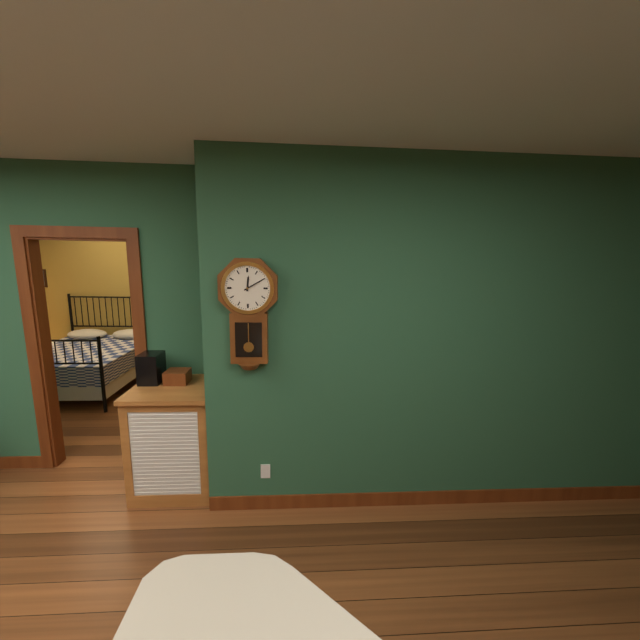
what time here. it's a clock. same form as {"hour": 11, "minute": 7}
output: {"hour": 12, "minute": 10}
